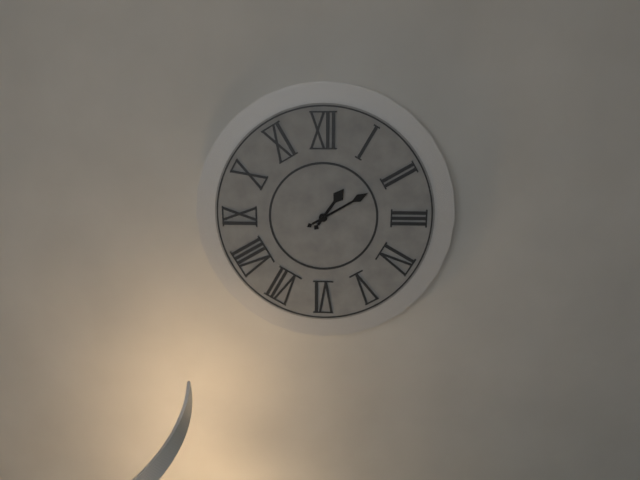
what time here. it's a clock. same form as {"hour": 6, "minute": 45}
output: {"hour": 1, "minute": 10}
